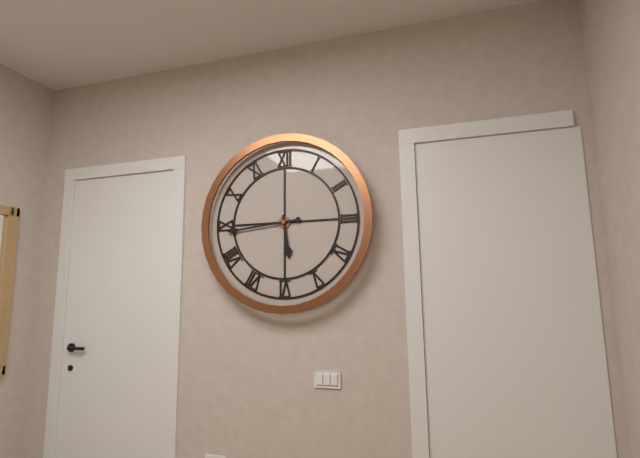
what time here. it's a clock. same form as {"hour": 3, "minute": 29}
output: {"hour": 5, "minute": 44}
